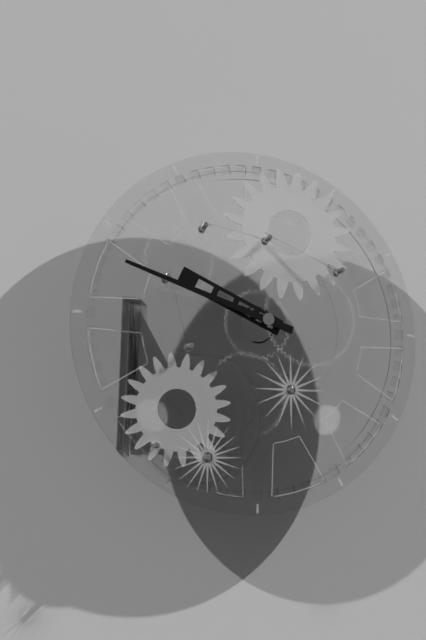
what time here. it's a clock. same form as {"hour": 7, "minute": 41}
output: {"hour": 9, "minute": 48}
